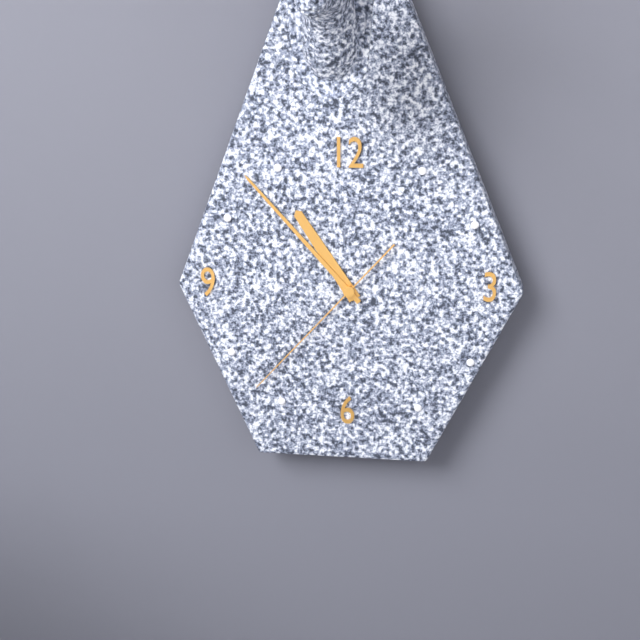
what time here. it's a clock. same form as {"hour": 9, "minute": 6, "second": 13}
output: {"hour": 10, "minute": 53, "second": 37}
